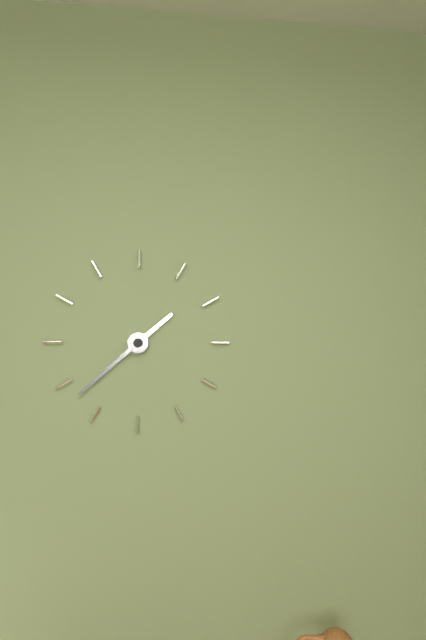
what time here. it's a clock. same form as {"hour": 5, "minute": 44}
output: {"hour": 1, "minute": 38}
